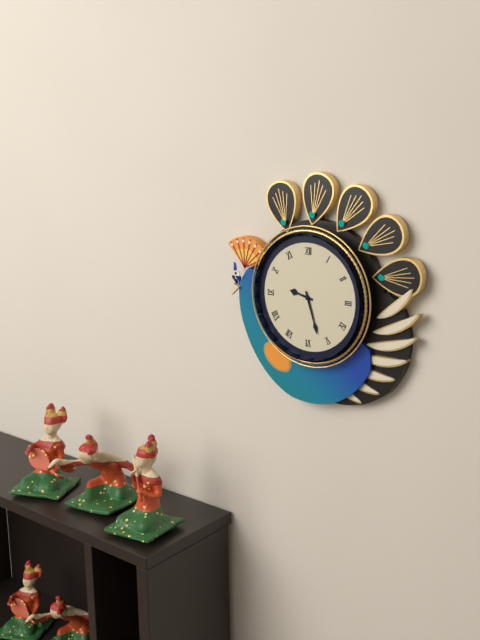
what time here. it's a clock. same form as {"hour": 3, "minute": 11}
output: {"hour": 9, "minute": 27}
